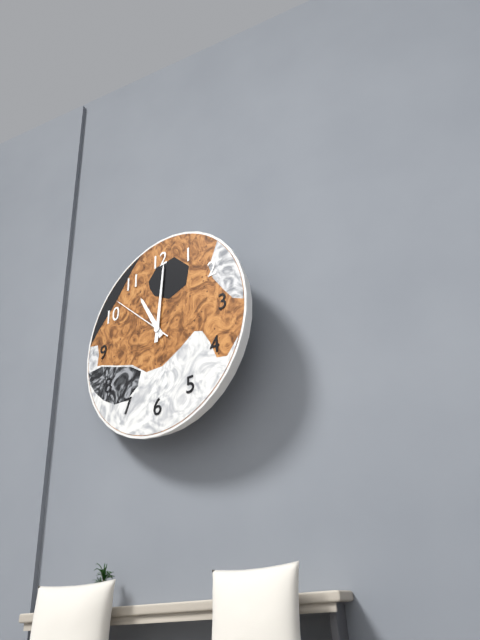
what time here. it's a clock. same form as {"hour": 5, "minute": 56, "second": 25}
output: {"hour": 11, "minute": 1, "second": 52}
